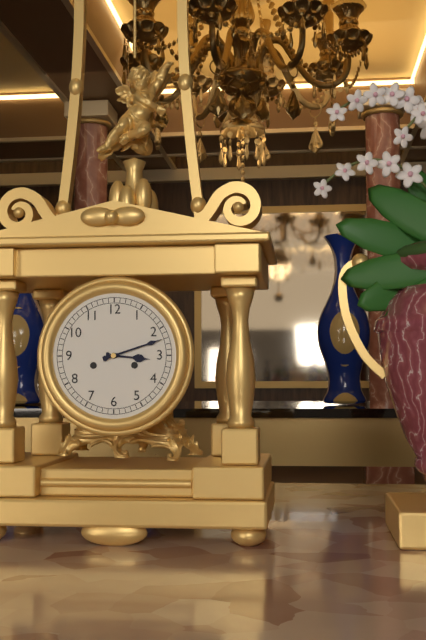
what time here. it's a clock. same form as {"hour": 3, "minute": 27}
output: {"hour": 3, "minute": 12}
